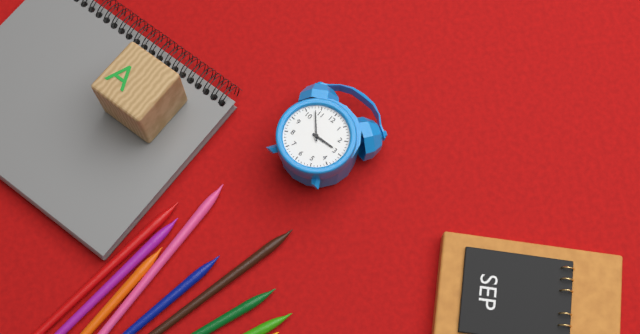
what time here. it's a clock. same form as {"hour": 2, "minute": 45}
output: {"hour": 2, "minute": 53}
